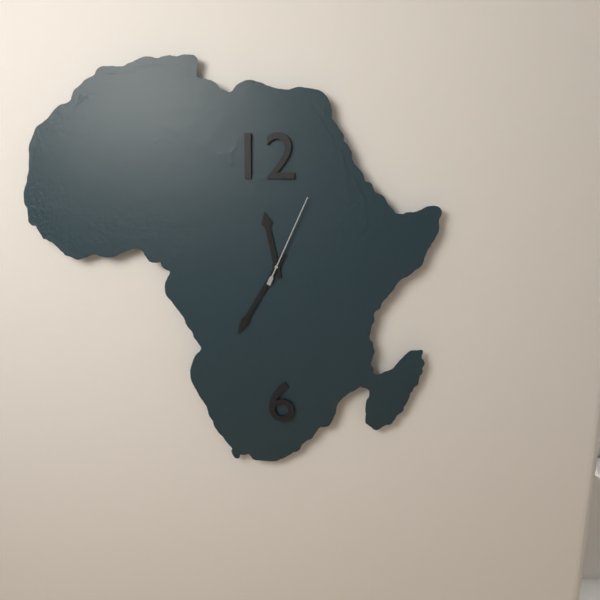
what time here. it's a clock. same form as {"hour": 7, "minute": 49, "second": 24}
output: {"hour": 11, "minute": 35, "second": 4}
